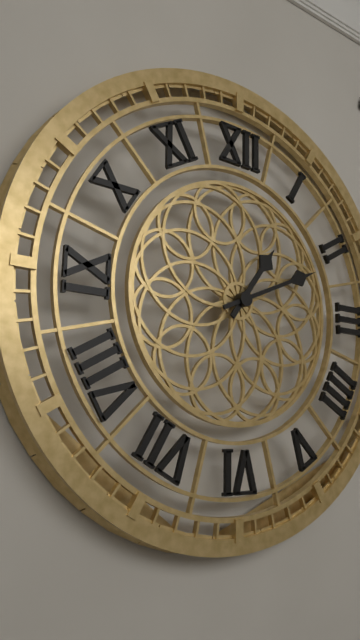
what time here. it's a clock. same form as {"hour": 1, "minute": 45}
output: {"hour": 1, "minute": 11}
